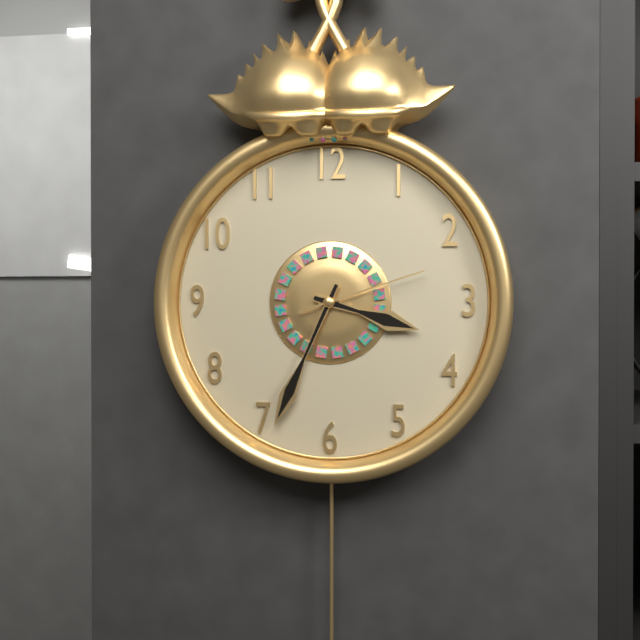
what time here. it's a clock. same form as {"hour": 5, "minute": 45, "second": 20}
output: {"hour": 3, "minute": 34, "second": 12}
